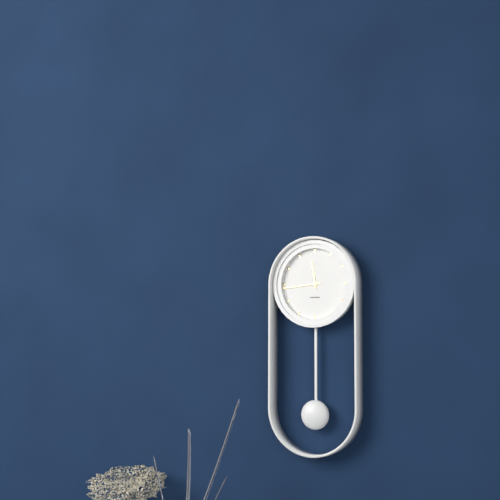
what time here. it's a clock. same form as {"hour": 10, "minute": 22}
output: {"hour": 11, "minute": 44}
